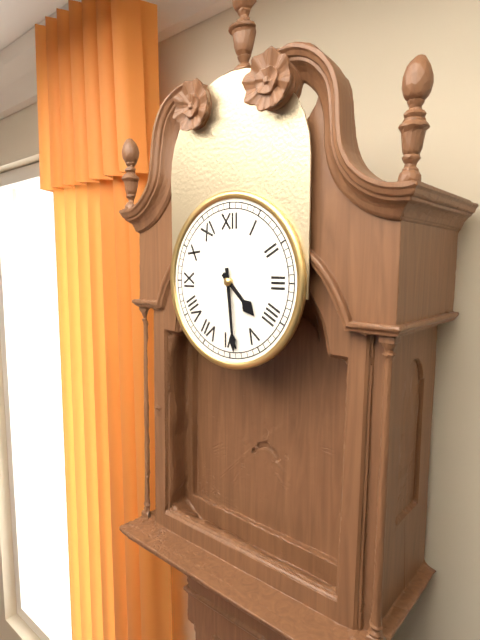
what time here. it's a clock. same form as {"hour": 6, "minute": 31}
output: {"hour": 4, "minute": 29}
